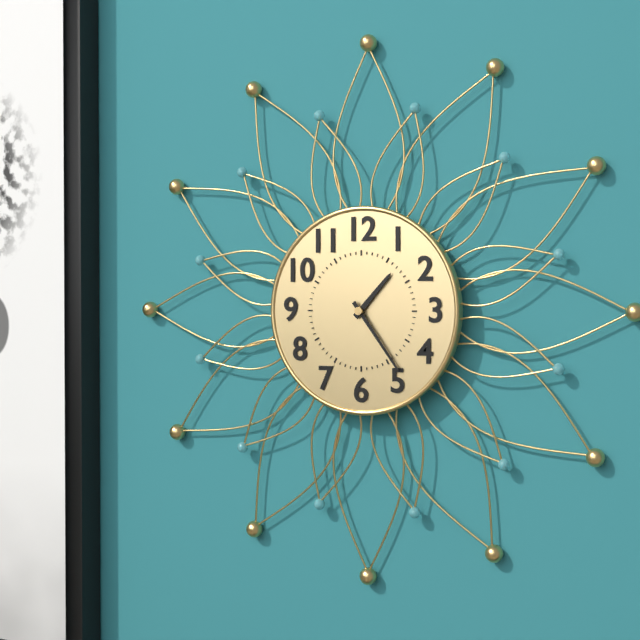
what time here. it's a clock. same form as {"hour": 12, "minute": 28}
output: {"hour": 1, "minute": 24}
